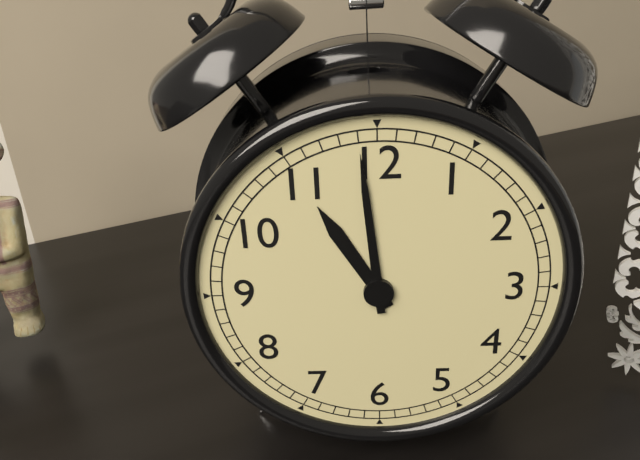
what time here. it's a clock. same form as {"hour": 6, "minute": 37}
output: {"hour": 10, "minute": 59}
